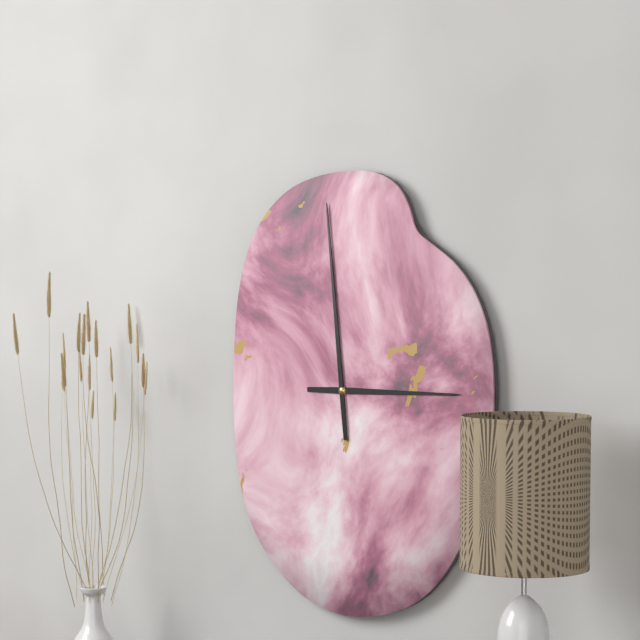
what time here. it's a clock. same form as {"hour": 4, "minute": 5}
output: {"hour": 2, "minute": 59}
